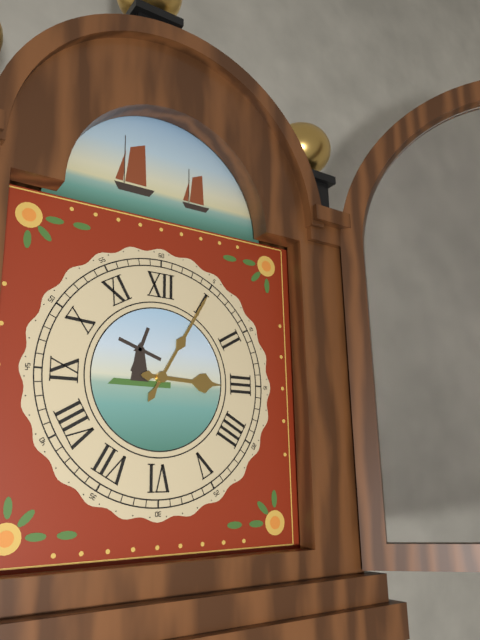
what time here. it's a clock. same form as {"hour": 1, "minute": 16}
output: {"hour": 3, "minute": 5}
